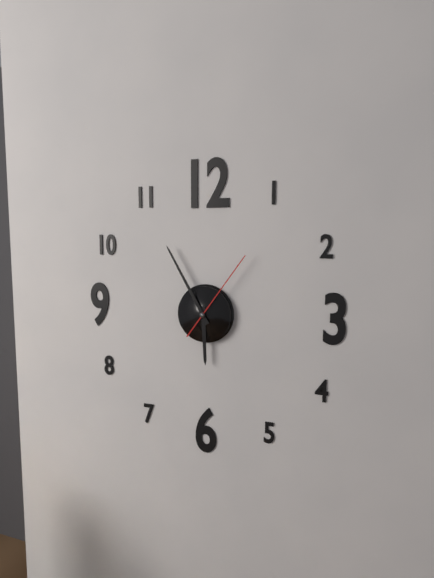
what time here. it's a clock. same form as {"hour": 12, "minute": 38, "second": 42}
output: {"hour": 5, "minute": 55, "second": 6}
